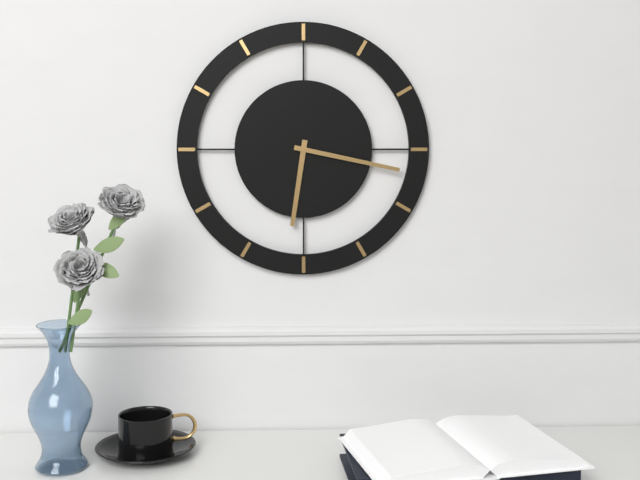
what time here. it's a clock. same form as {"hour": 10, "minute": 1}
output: {"hour": 6, "minute": 17}
